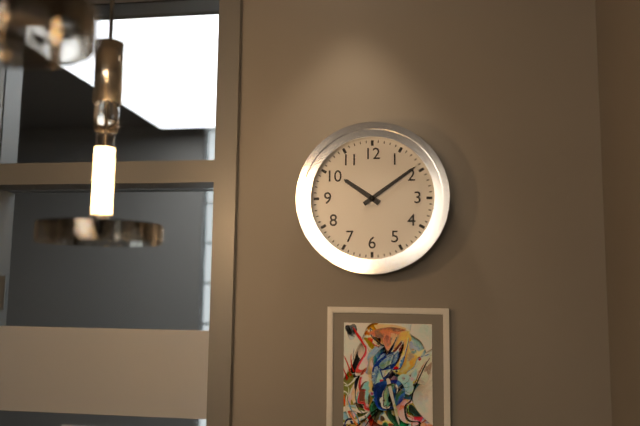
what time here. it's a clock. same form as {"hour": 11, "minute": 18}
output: {"hour": 10, "minute": 9}
